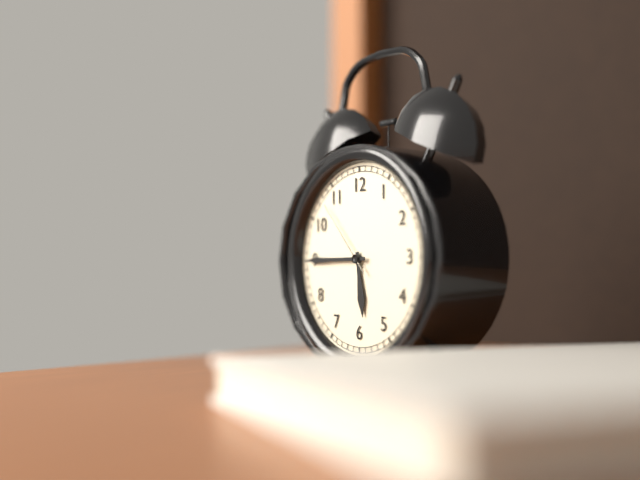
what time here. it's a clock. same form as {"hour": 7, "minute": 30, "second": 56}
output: {"hour": 5, "minute": 45, "second": 53}
